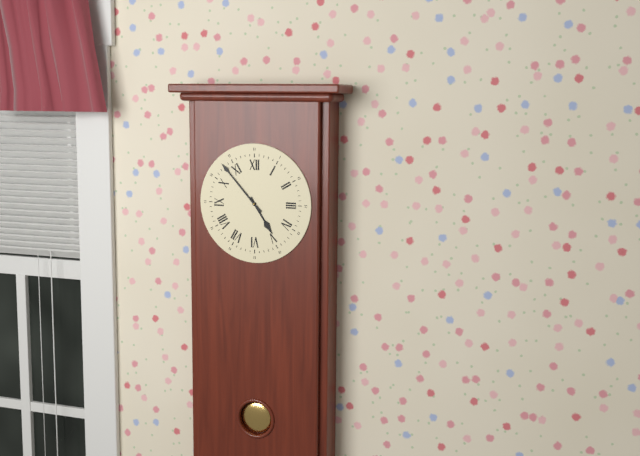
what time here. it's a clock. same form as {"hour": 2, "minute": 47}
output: {"hour": 4, "minute": 53}
